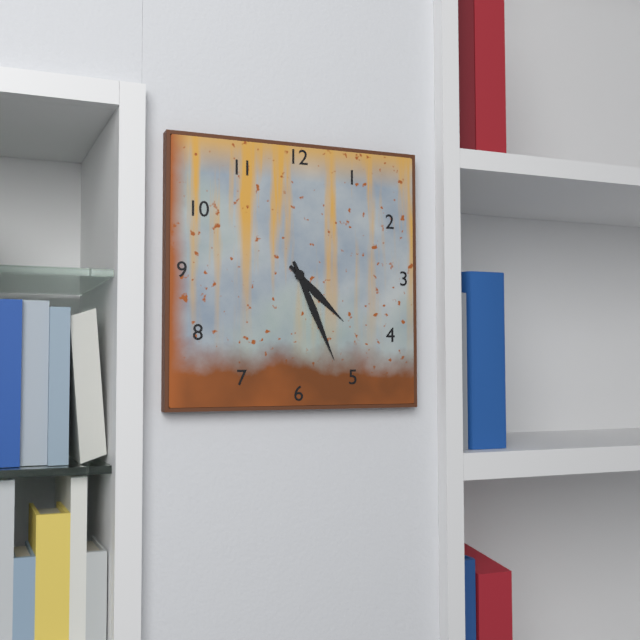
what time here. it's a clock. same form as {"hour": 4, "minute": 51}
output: {"hour": 4, "minute": 26}
